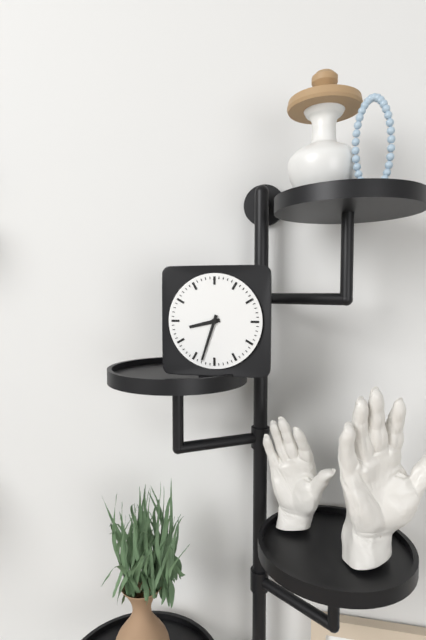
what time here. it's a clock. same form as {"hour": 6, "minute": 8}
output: {"hour": 8, "minute": 33}
